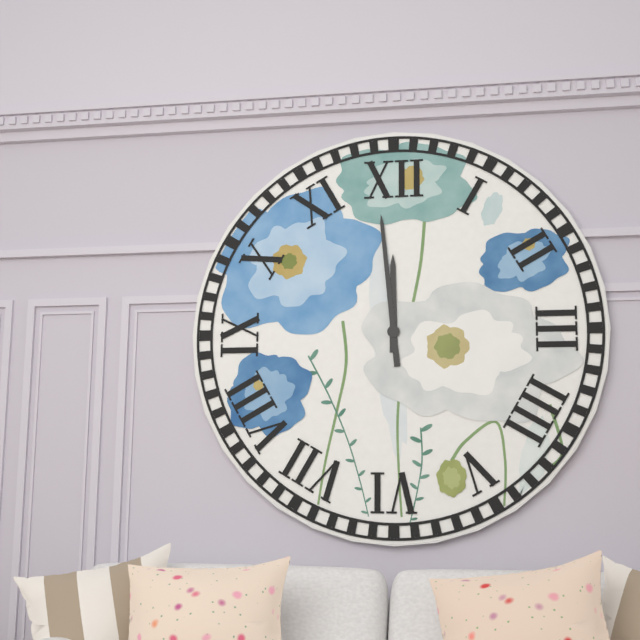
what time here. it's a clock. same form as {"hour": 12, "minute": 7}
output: {"hour": 11, "minute": 59}
